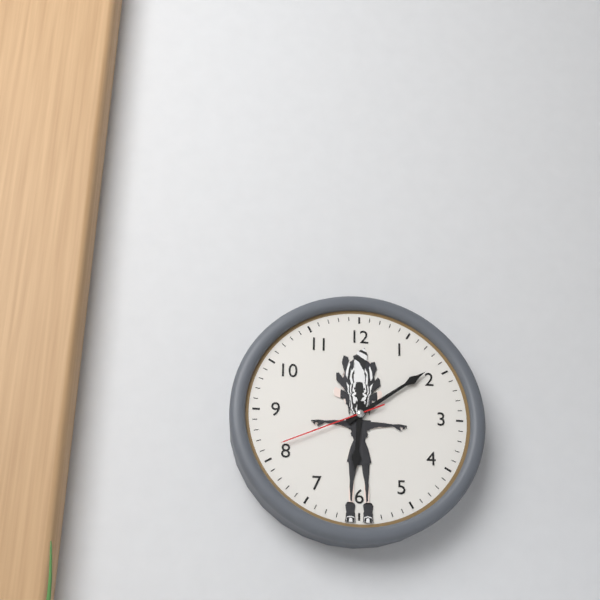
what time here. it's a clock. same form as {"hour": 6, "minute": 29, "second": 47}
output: {"hour": 6, "minute": 9, "second": 41}
